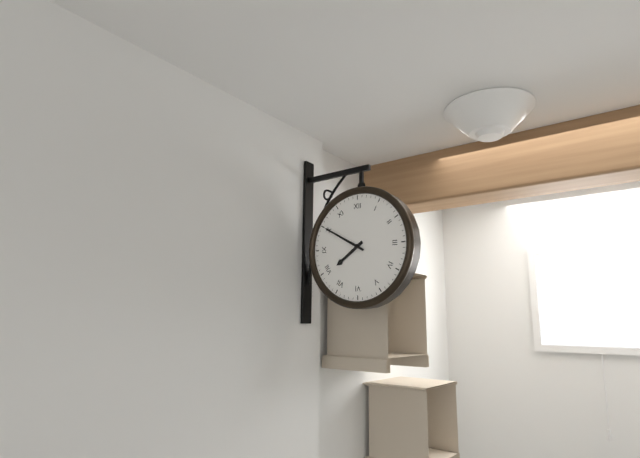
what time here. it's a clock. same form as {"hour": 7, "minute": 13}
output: {"hour": 7, "minute": 50}
